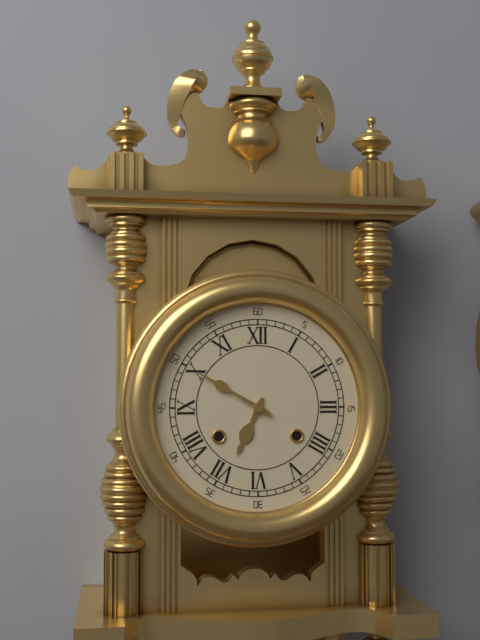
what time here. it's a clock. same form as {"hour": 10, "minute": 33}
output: {"hour": 6, "minute": 50}
